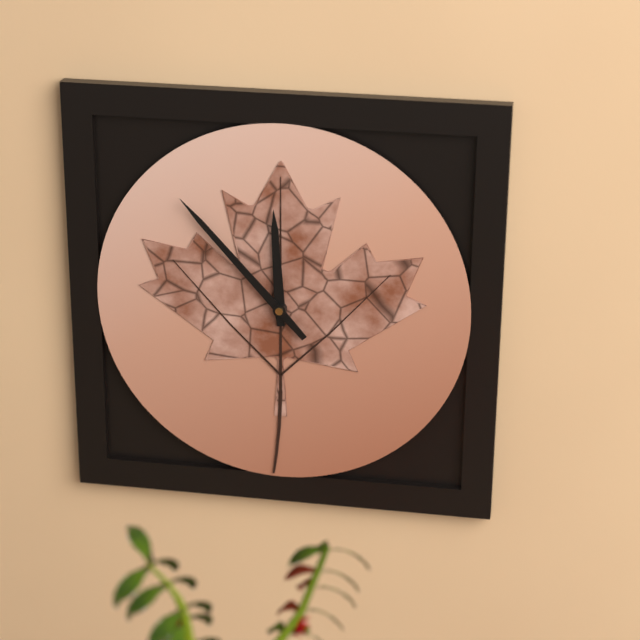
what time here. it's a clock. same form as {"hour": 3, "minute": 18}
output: {"hour": 11, "minute": 53}
